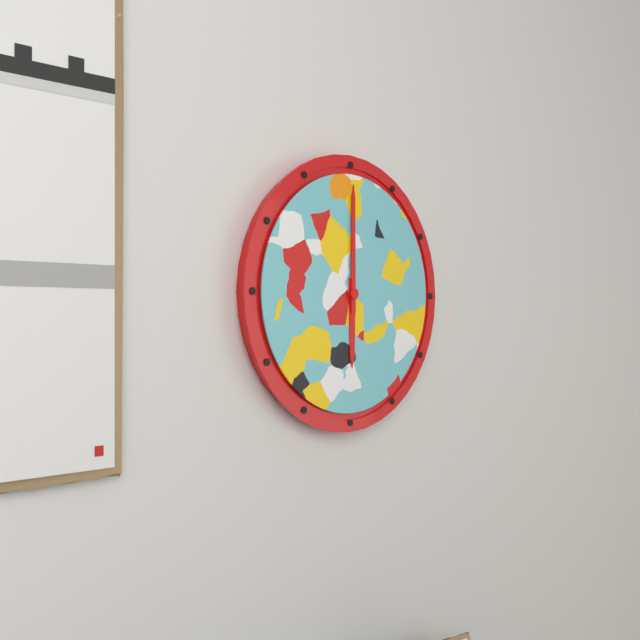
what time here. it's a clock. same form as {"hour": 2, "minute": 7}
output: {"hour": 6, "minute": 0}
